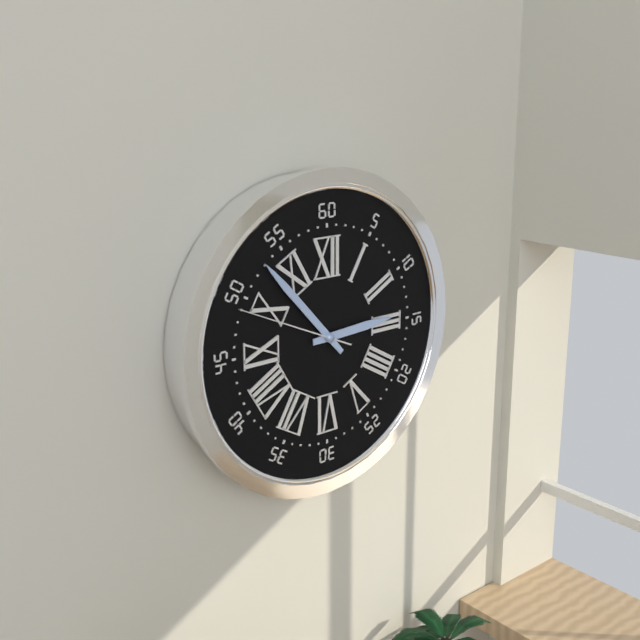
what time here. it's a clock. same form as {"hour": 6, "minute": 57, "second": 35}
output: {"hour": 2, "minute": 53, "second": 49}
